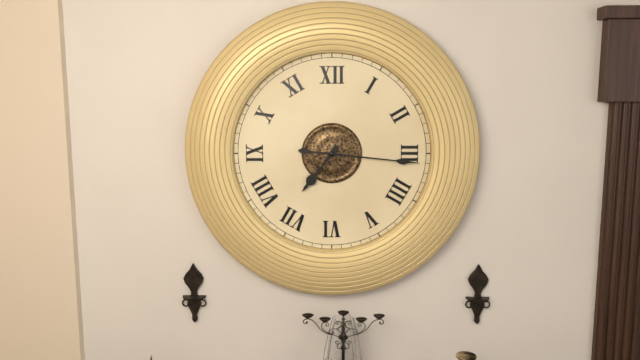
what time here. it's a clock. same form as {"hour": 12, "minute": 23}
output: {"hour": 7, "minute": 16}
